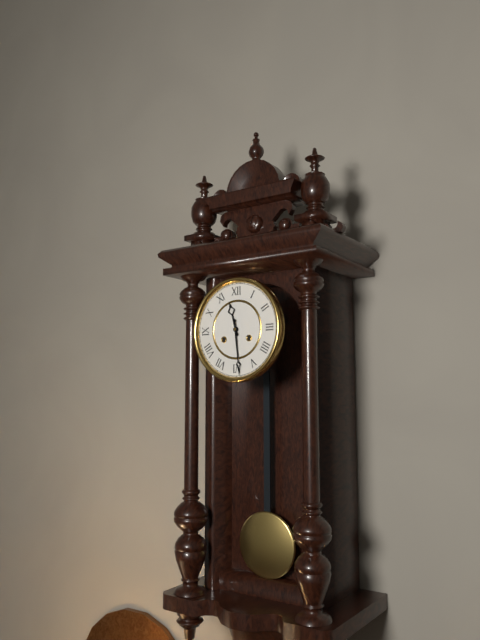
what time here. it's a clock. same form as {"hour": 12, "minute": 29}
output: {"hour": 11, "minute": 29}
